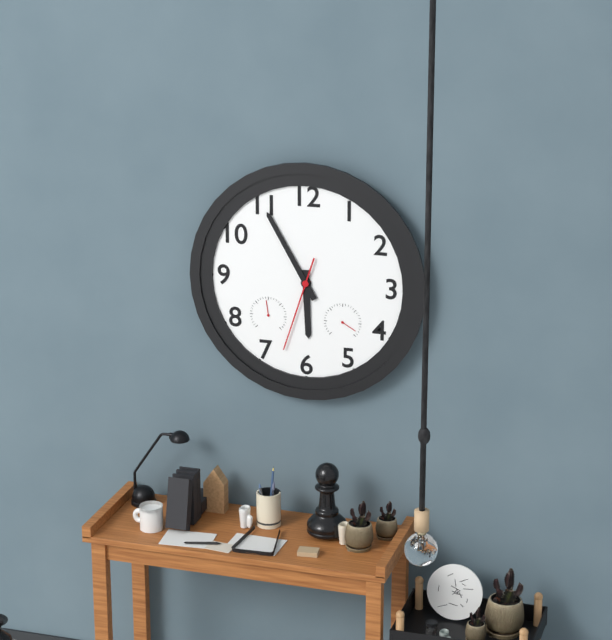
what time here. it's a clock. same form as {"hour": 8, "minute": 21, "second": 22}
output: {"hour": 5, "minute": 55, "second": 33}
